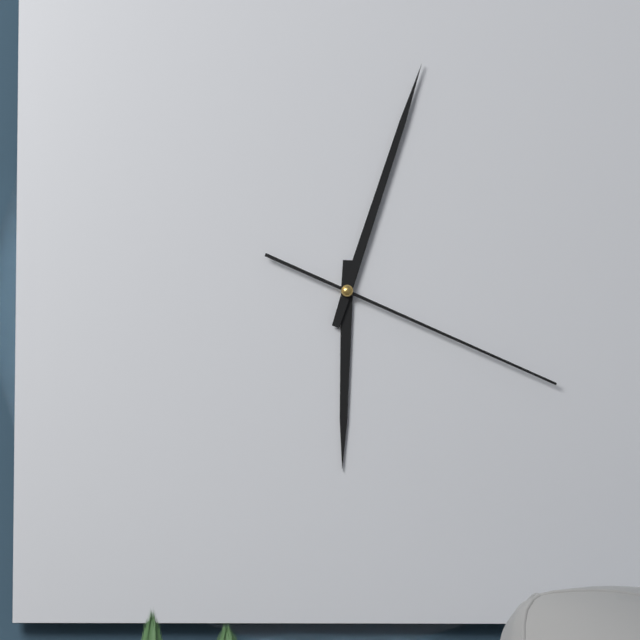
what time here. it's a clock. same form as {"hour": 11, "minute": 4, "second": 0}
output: {"hour": 6, "minute": 3, "second": 19}
